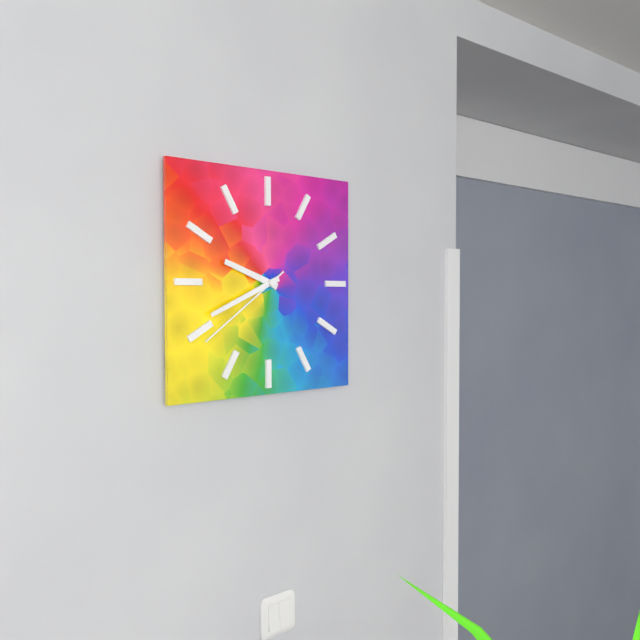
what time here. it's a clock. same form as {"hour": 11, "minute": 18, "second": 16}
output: {"hour": 9, "minute": 41, "second": 39}
